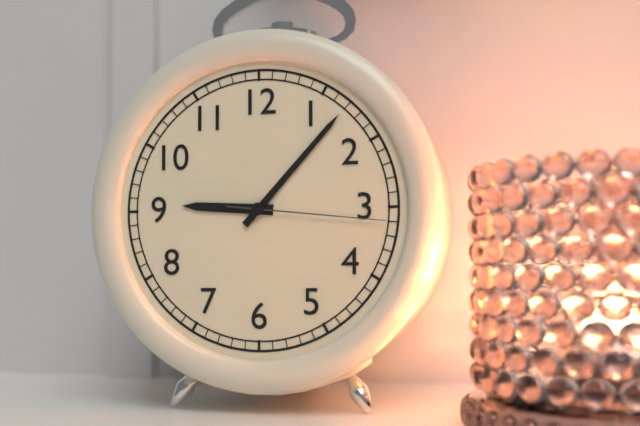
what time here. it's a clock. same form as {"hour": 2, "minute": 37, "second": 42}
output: {"hour": 9, "minute": 7, "second": 16}
